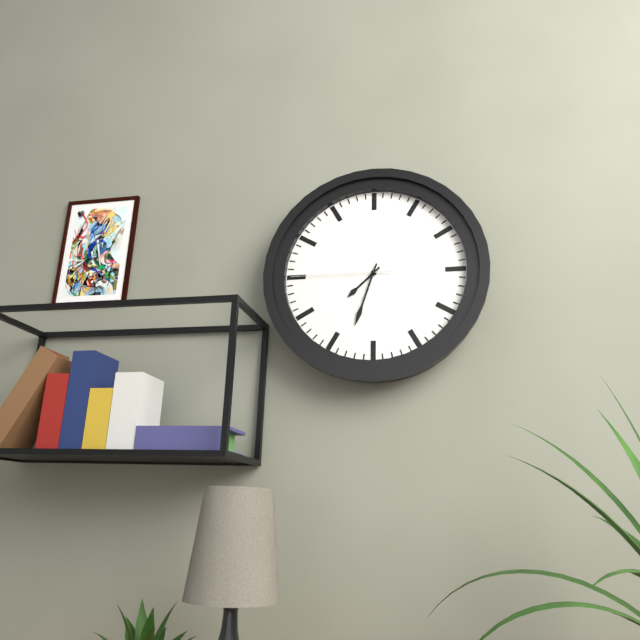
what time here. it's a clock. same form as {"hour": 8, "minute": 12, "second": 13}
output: {"hour": 7, "minute": 33, "second": 45}
